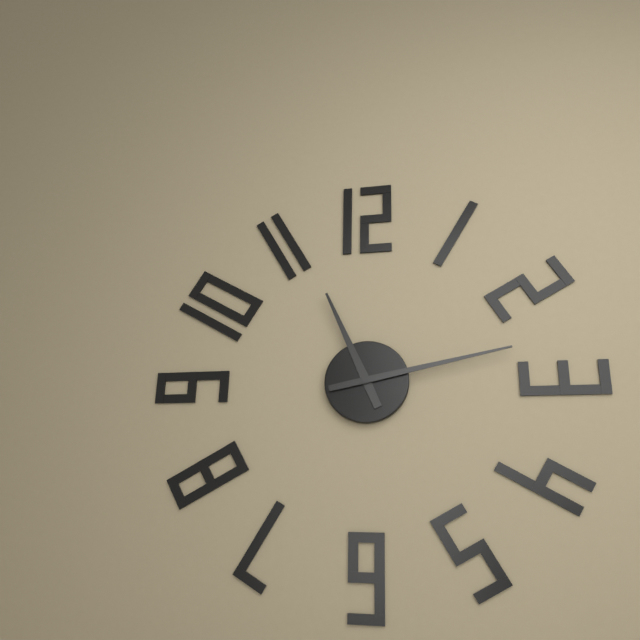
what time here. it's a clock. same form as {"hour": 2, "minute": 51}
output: {"hour": 11, "minute": 13}
